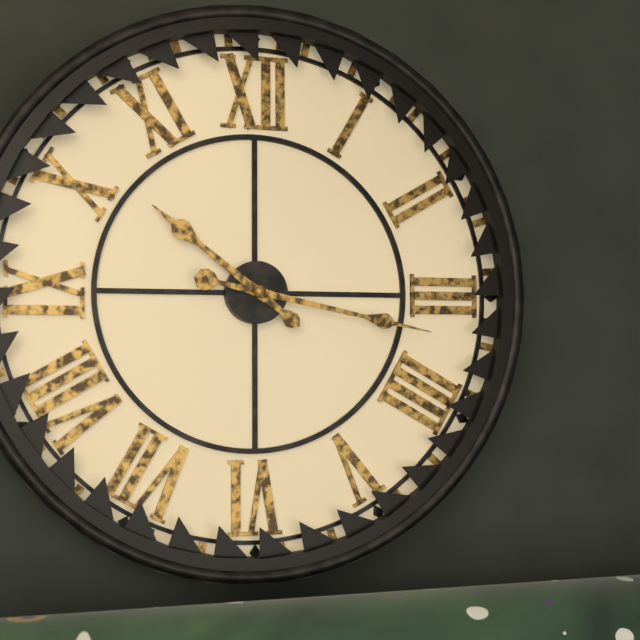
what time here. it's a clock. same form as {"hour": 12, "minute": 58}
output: {"hour": 10, "minute": 17}
